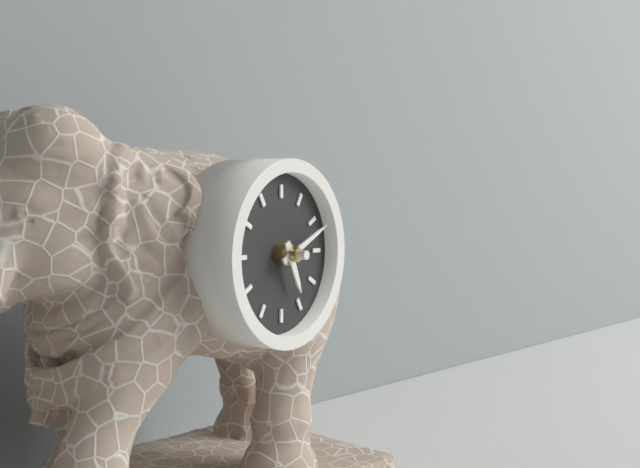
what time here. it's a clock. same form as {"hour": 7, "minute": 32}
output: {"hour": 5, "minute": 11}
